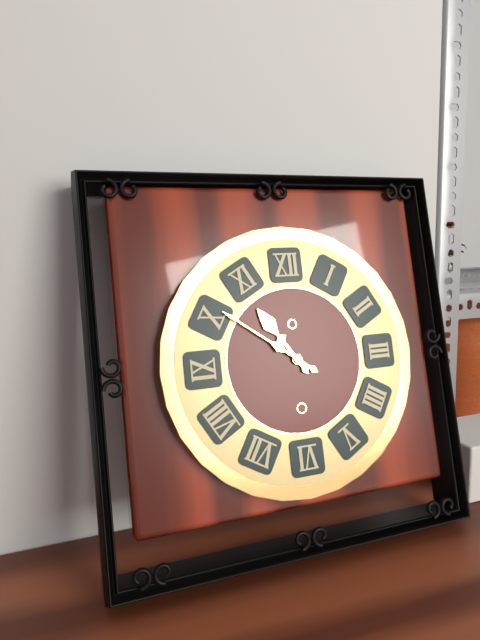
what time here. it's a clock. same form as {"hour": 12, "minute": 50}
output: {"hour": 10, "minute": 51}
